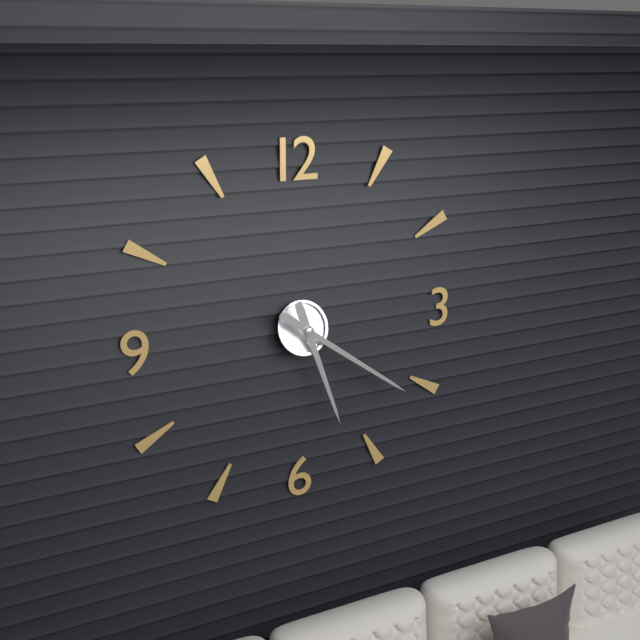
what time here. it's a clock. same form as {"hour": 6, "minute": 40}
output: {"hour": 5, "minute": 21}
